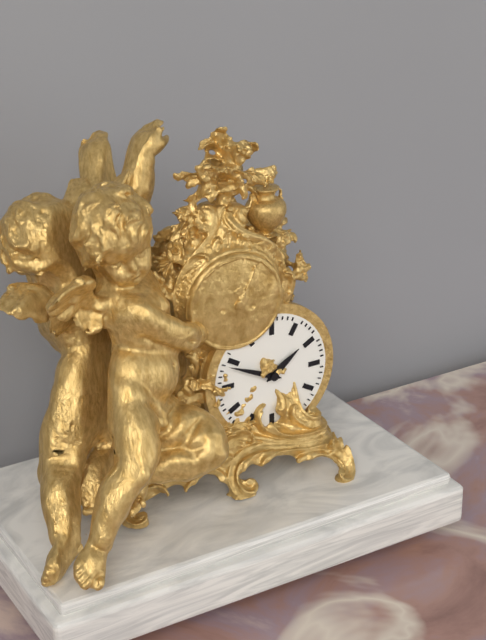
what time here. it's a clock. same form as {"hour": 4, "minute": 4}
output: {"hour": 1, "minute": 49}
